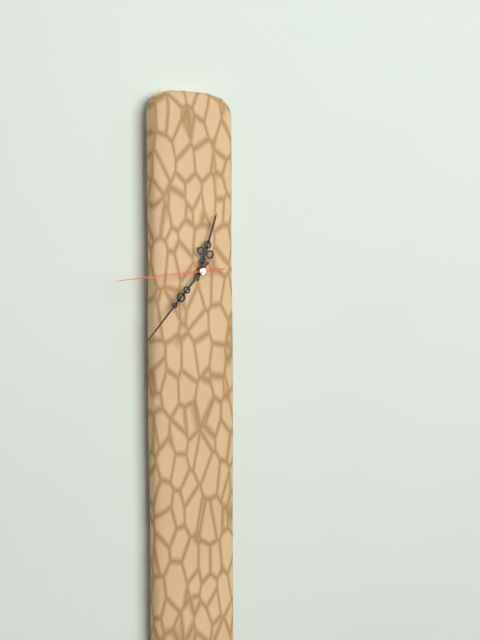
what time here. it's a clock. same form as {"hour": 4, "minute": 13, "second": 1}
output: {"hour": 12, "minute": 37, "second": 44}
